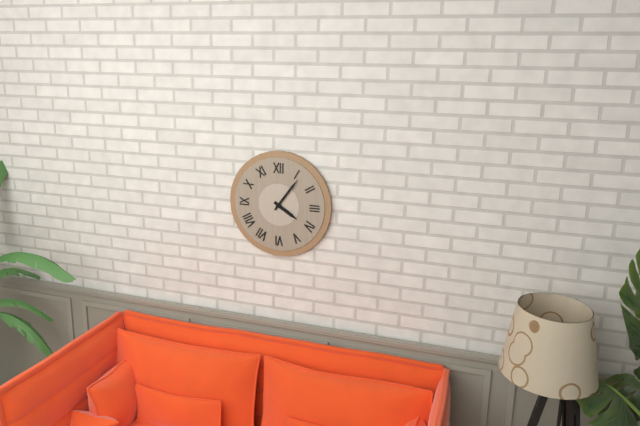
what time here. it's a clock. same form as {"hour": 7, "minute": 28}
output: {"hour": 4, "minute": 6}
